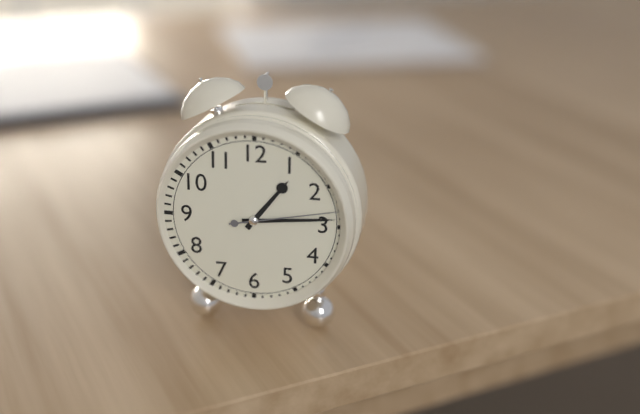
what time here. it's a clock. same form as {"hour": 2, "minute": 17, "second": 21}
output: {"hour": 1, "minute": 14, "second": 13}
